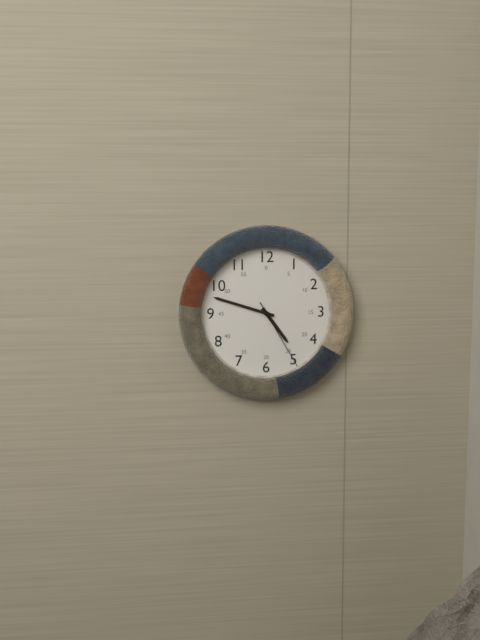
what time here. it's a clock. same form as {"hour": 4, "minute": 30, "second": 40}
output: {"hour": 4, "minute": 48, "second": 25}
